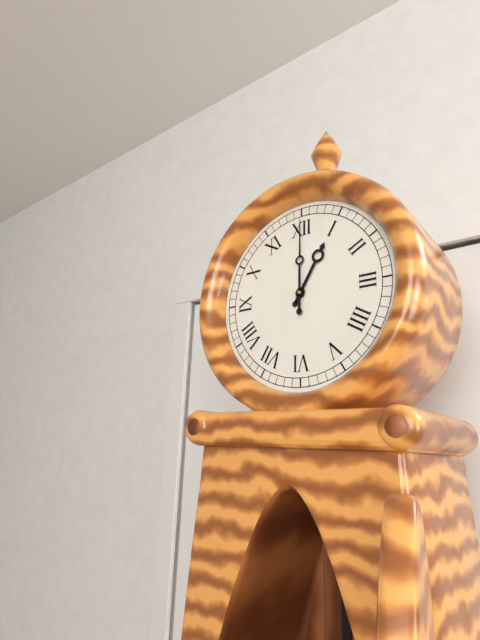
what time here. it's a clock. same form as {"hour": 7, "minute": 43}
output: {"hour": 1, "minute": 0}
